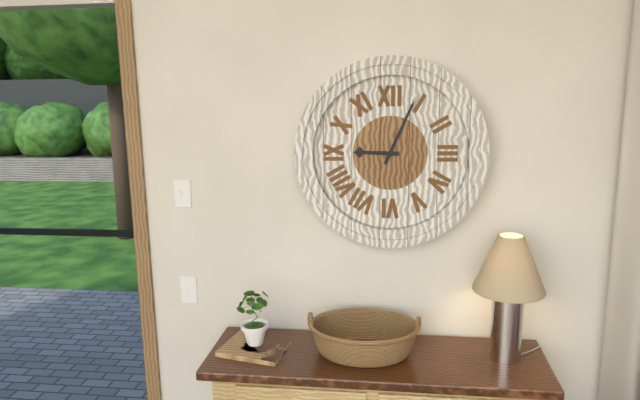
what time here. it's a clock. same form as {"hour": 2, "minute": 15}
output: {"hour": 9, "minute": 4}
